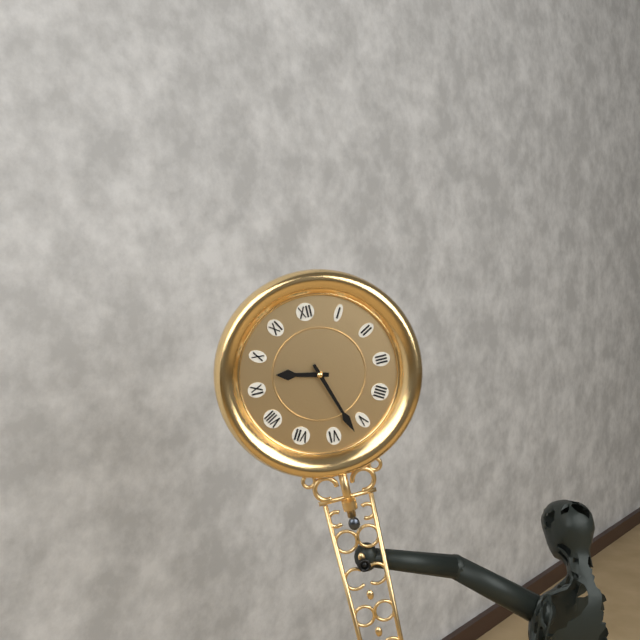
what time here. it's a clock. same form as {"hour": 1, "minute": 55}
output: {"hour": 9, "minute": 27}
